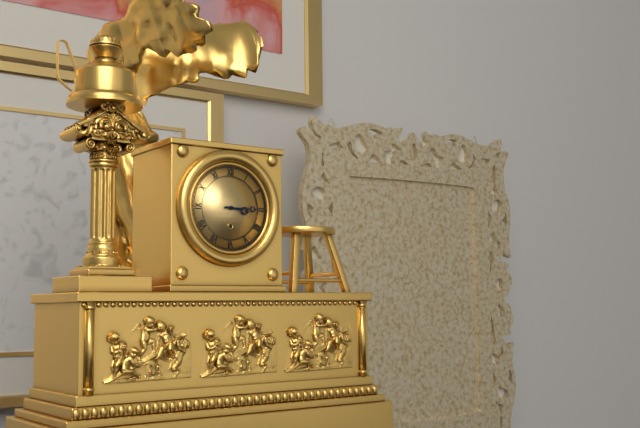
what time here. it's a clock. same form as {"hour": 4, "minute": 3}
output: {"hour": 3, "minute": 15}
